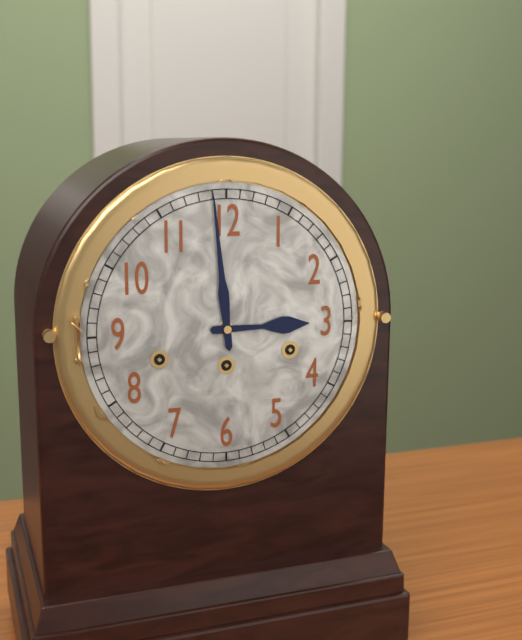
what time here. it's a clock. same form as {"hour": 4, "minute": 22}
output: {"hour": 2, "minute": 59}
